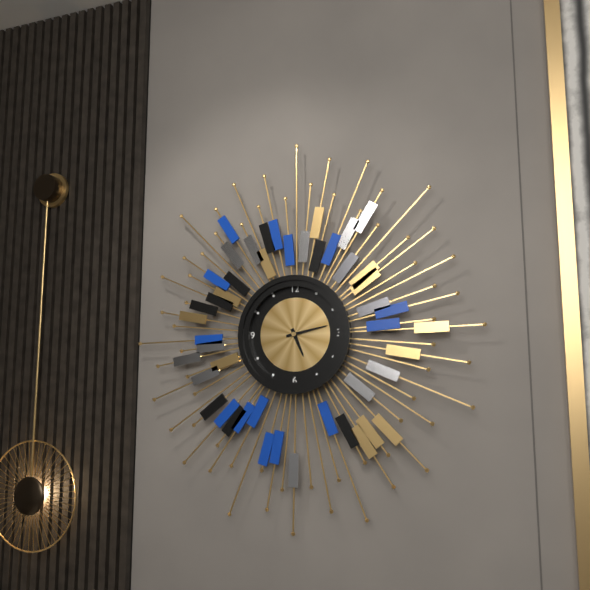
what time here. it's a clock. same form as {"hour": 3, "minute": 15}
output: {"hour": 5, "minute": 13}
